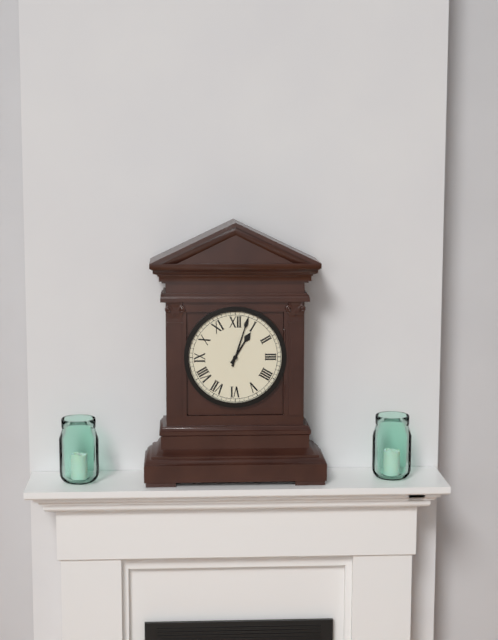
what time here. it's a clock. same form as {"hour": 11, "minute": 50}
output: {"hour": 1, "minute": 3}
